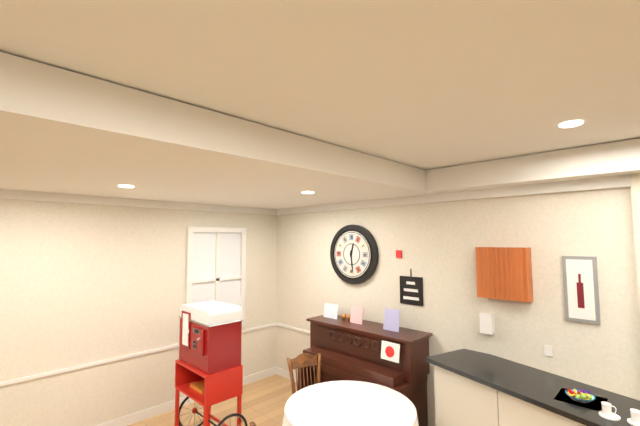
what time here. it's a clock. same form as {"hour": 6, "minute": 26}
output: {"hour": 12, "minute": 29}
